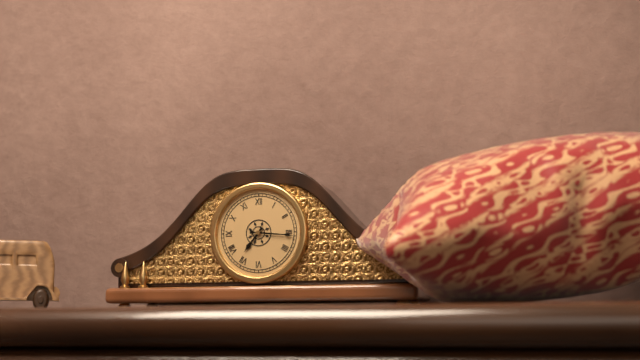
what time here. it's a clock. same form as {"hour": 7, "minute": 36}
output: {"hour": 7, "minute": 16}
